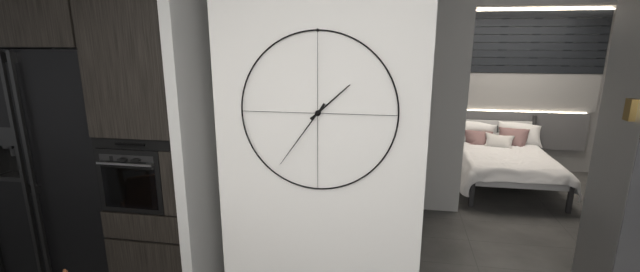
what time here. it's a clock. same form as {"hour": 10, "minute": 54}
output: {"hour": 1, "minute": 36}
